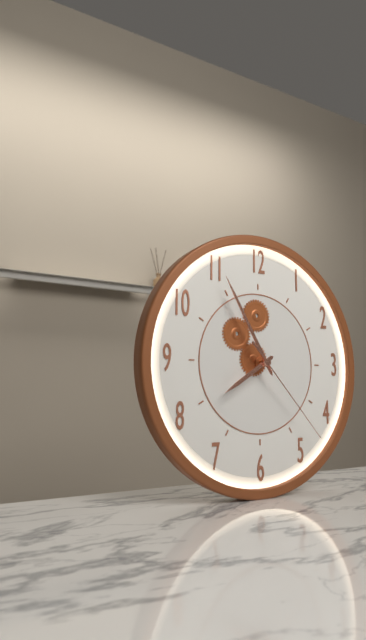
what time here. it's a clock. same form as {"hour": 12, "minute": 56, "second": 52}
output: {"hour": 7, "minute": 55, "second": 23}
